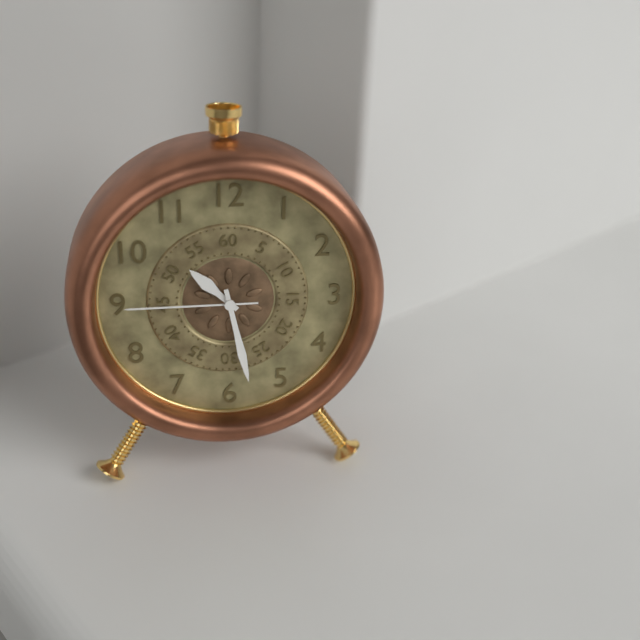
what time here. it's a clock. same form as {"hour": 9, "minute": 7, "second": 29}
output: {"hour": 10, "minute": 28, "second": 45}
